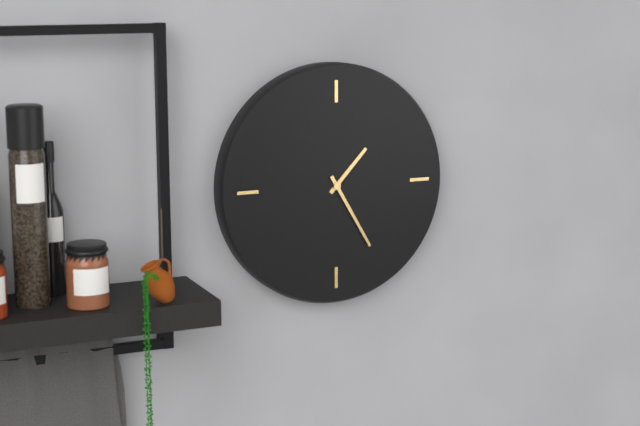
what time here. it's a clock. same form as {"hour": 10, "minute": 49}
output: {"hour": 1, "minute": 25}
